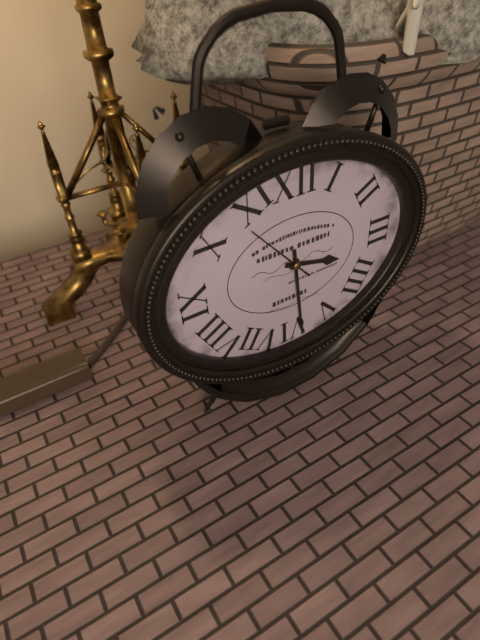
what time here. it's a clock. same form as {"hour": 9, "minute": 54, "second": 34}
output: {"hour": 3, "minute": 29, "second": 53}
